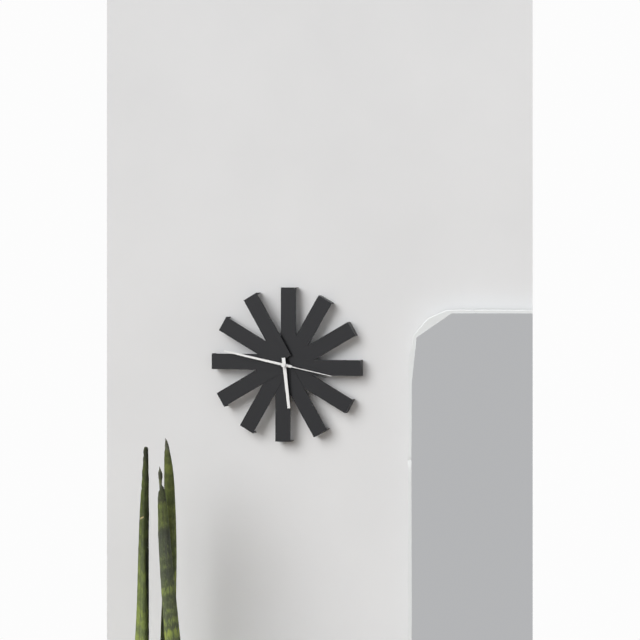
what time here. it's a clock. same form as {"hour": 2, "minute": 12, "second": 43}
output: {"hour": 5, "minute": 47, "second": 17}
